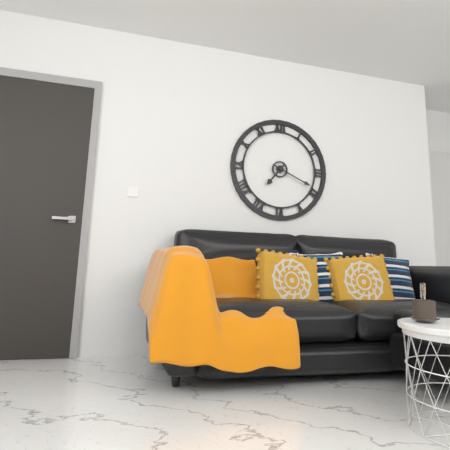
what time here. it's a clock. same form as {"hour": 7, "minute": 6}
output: {"hour": 7, "minute": 19}
